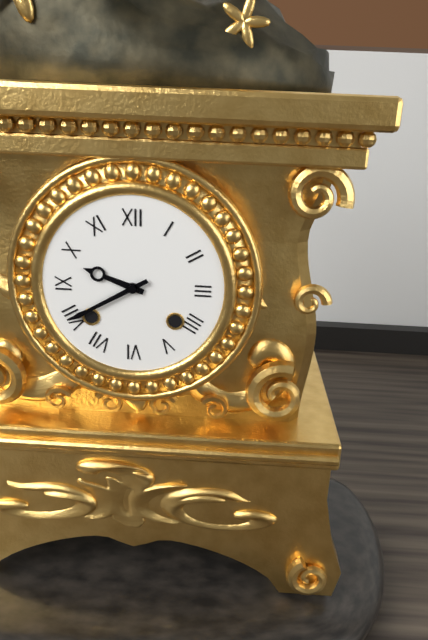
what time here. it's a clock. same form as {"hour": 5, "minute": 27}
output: {"hour": 9, "minute": 40}
